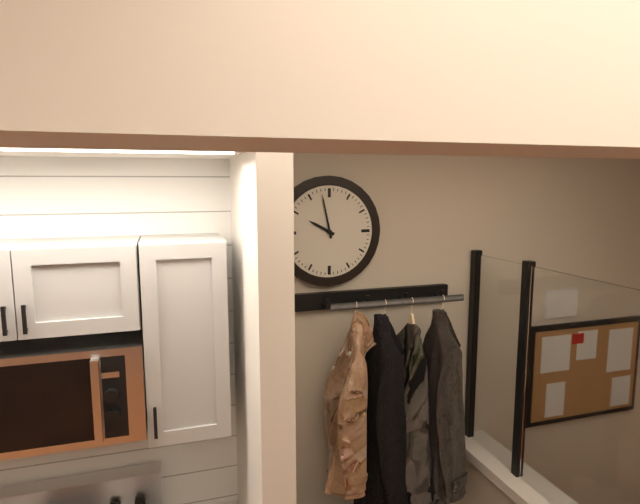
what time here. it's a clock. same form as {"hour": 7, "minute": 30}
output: {"hour": 9, "minute": 58}
